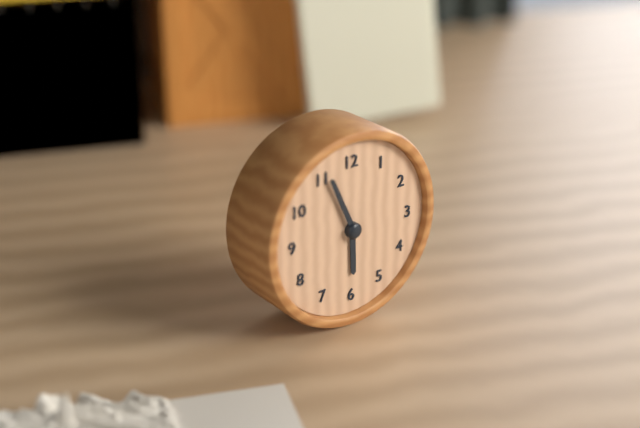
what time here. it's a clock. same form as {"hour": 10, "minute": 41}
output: {"hour": 5, "minute": 56}
